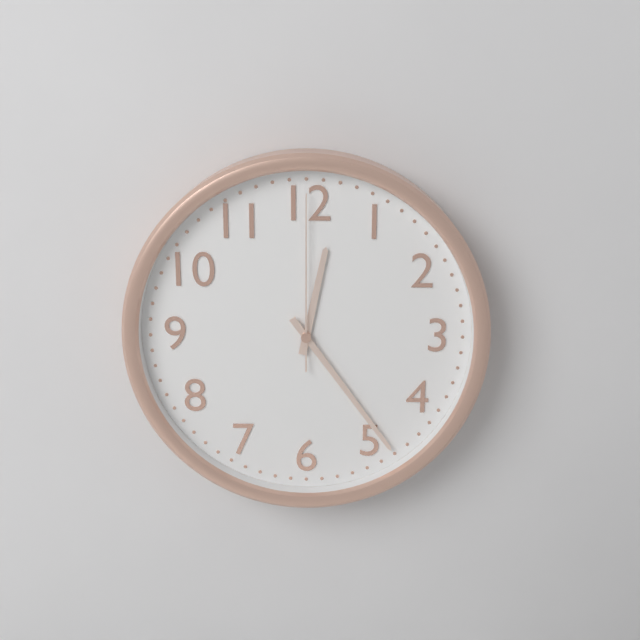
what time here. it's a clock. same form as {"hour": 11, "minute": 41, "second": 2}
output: {"hour": 12, "minute": 24, "second": 0}
